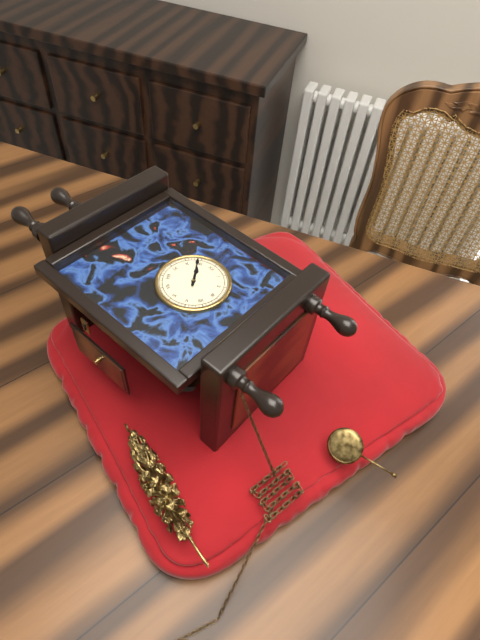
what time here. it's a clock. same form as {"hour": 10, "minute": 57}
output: {"hour": 10, "minute": 54}
